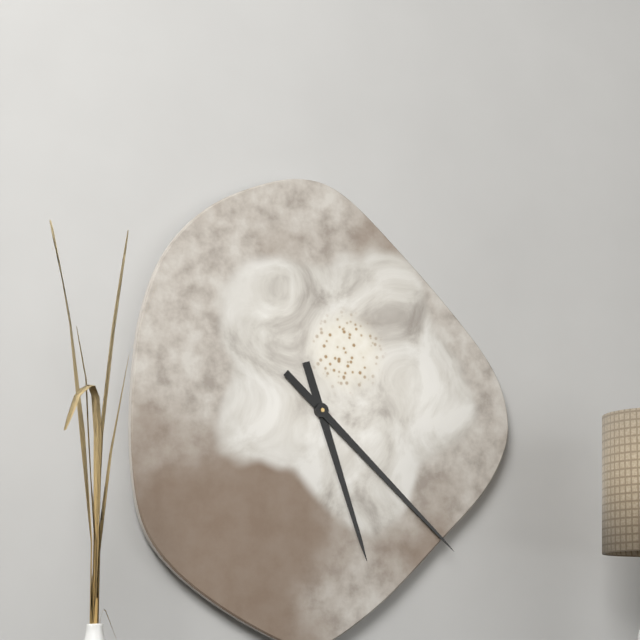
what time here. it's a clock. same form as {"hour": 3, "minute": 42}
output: {"hour": 5, "minute": 22}
